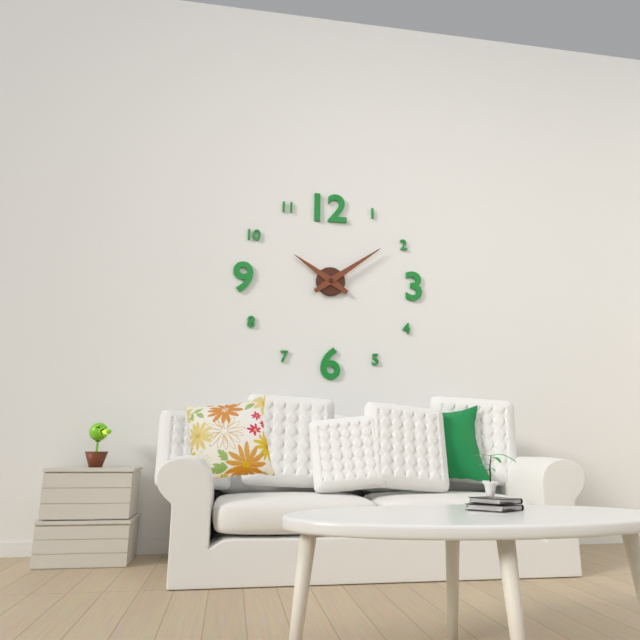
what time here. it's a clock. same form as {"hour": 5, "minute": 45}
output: {"hour": 10, "minute": 9}
